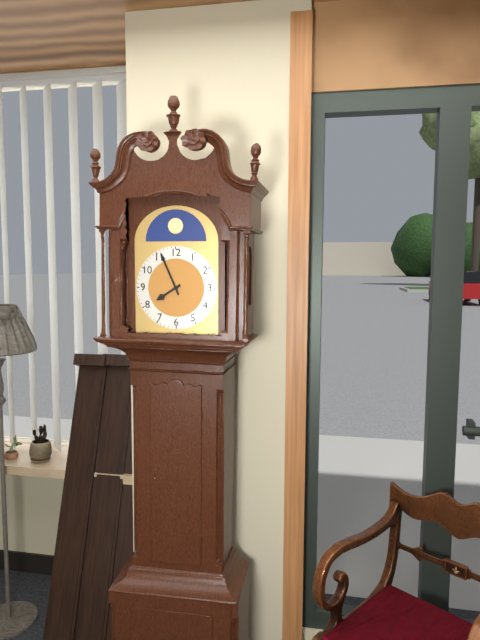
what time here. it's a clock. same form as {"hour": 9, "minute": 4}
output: {"hour": 7, "minute": 56}
